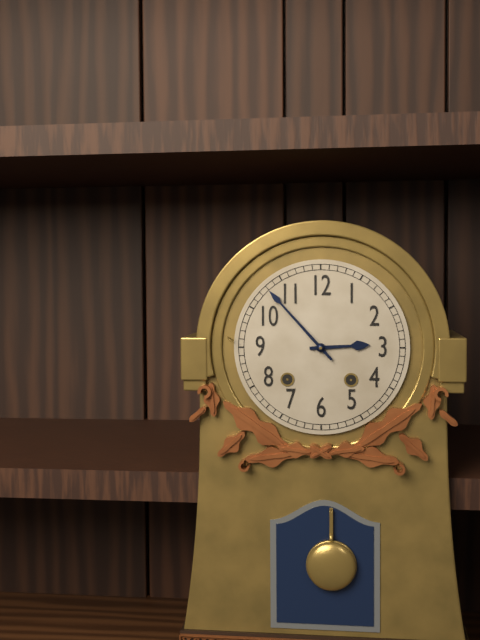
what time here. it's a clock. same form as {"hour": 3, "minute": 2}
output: {"hour": 2, "minute": 53}
